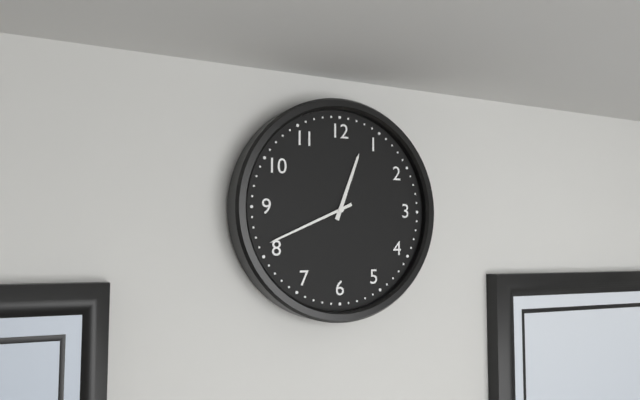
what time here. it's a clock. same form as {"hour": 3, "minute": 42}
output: {"hour": 12, "minute": 41}
